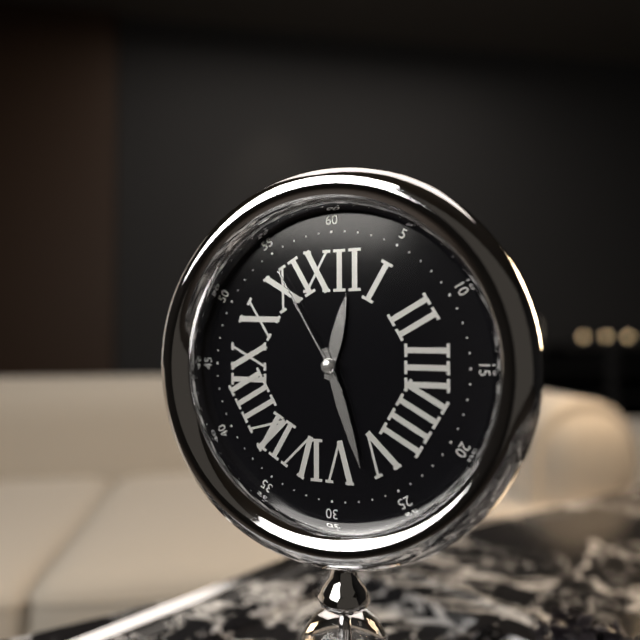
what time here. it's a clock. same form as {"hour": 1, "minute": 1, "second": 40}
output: {"hour": 12, "minute": 27, "second": 55}
